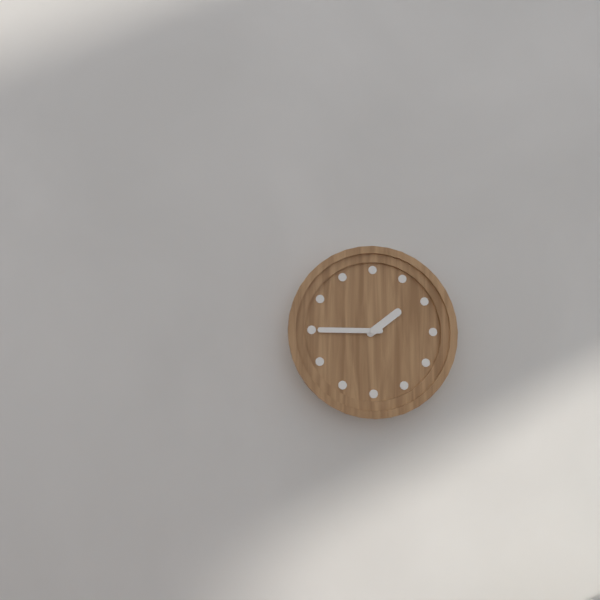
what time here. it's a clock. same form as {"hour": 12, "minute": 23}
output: {"hour": 1, "minute": 45}
